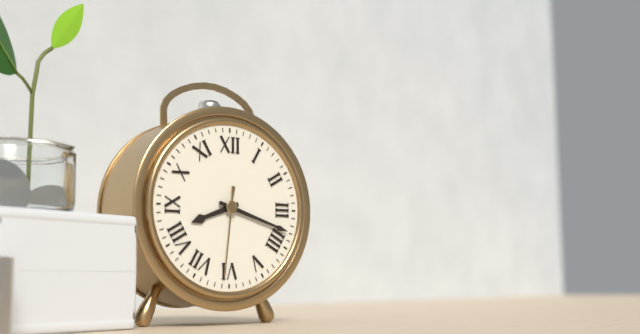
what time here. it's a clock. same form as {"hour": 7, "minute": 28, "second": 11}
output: {"hour": 8, "minute": 18, "second": 31}
